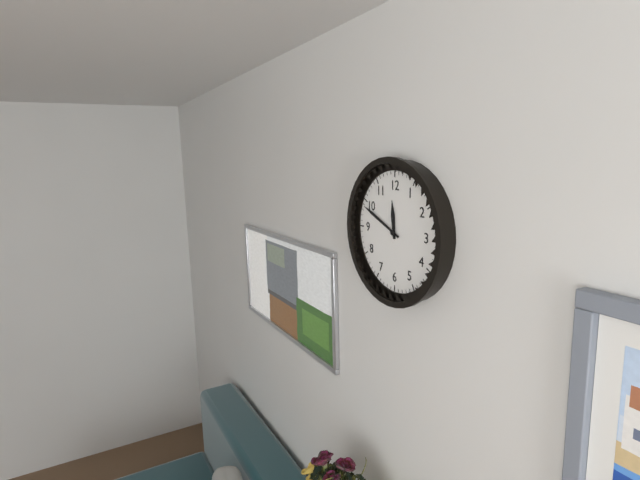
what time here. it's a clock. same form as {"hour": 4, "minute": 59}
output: {"hour": 11, "minute": 49}
